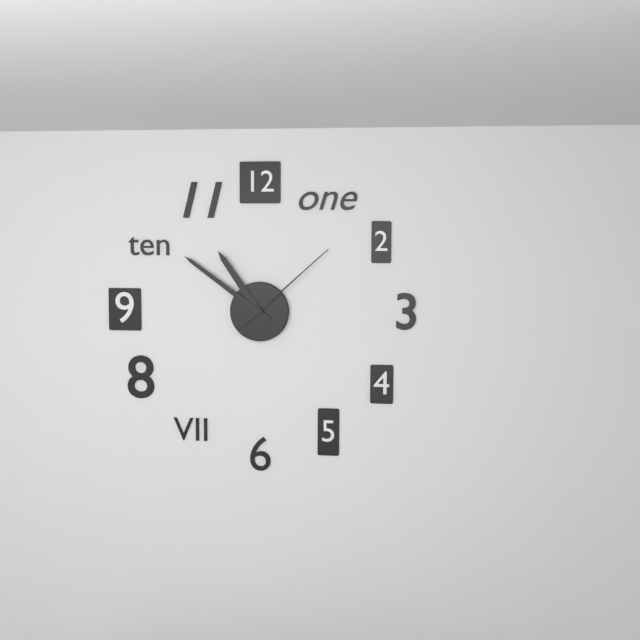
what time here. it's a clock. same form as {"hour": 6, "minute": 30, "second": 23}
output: {"hour": 10, "minute": 51, "second": 8}
